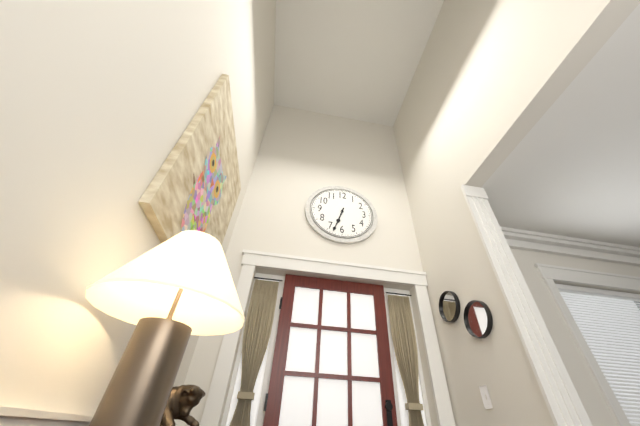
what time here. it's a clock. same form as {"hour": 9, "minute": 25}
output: {"hour": 6, "minute": 33}
